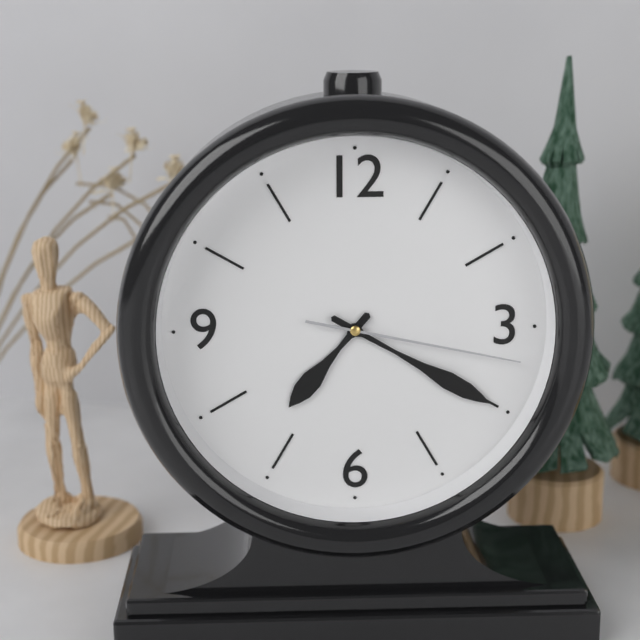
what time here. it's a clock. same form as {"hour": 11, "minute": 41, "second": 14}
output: {"hour": 7, "minute": 20, "second": 17}
